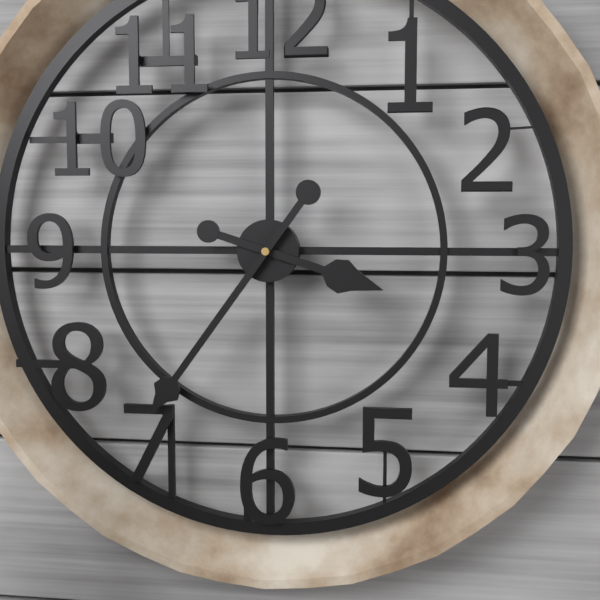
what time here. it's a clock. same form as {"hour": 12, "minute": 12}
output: {"hour": 3, "minute": 36}
